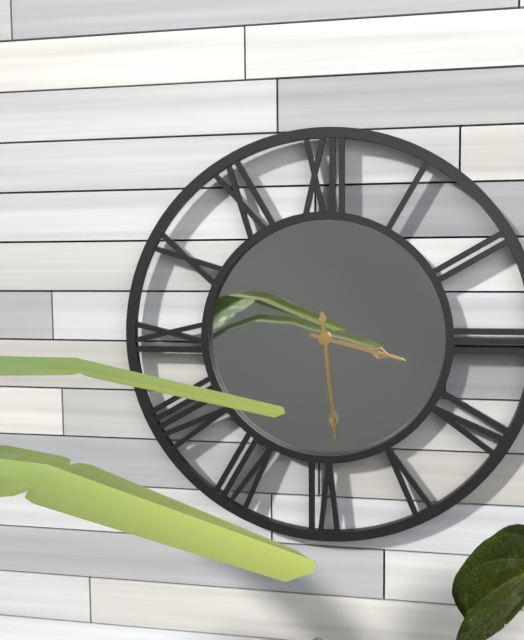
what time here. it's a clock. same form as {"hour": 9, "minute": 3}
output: {"hour": 3, "minute": 29}
